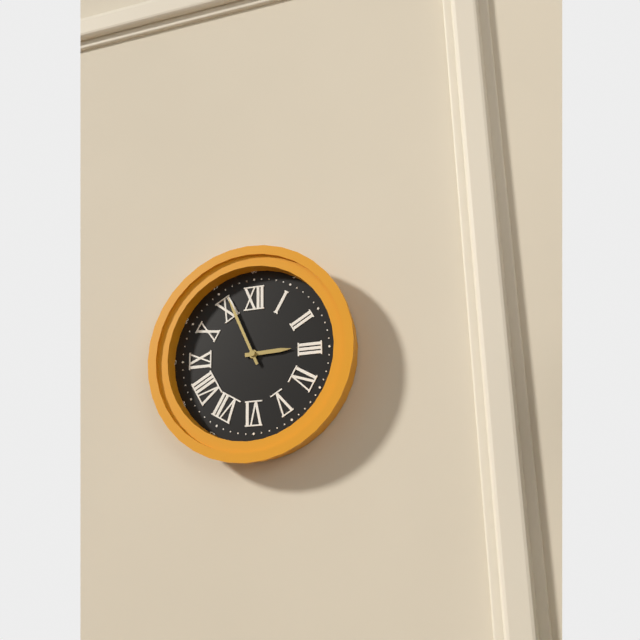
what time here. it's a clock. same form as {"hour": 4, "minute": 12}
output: {"hour": 2, "minute": 56}
